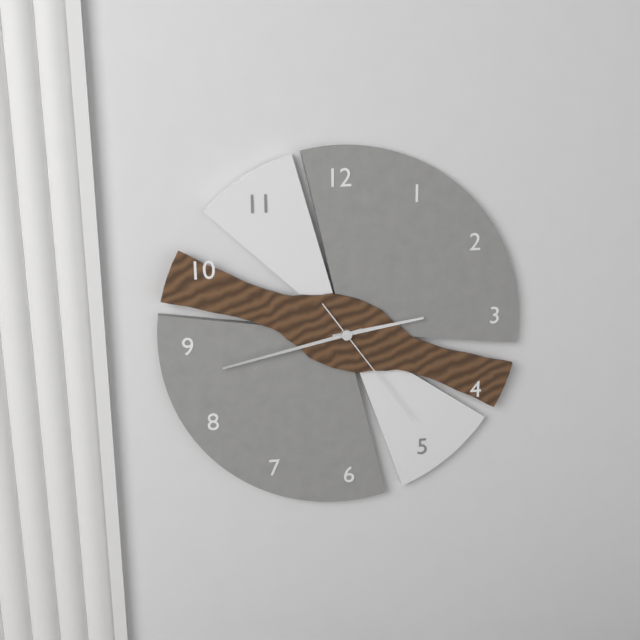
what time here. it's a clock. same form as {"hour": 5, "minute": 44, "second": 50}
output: {"hour": 2, "minute": 43, "second": 24}
